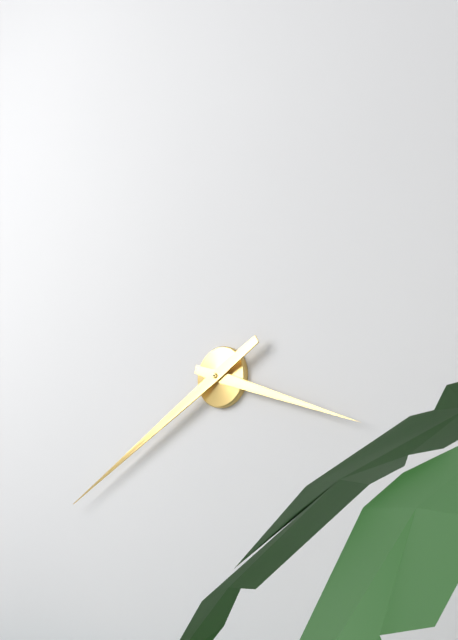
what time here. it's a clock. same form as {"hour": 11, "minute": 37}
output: {"hour": 3, "minute": 40}
